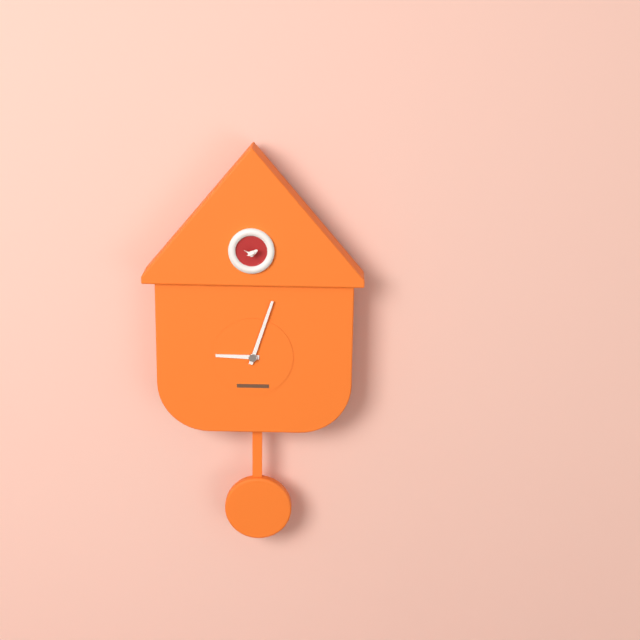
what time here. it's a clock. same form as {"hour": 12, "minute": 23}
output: {"hour": 9, "minute": 3}
